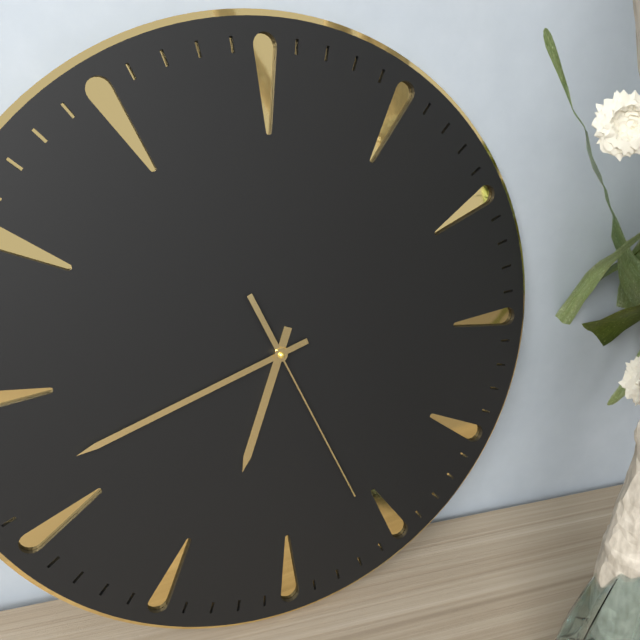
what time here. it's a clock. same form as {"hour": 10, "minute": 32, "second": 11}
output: {"hour": 6, "minute": 42, "second": 26}
